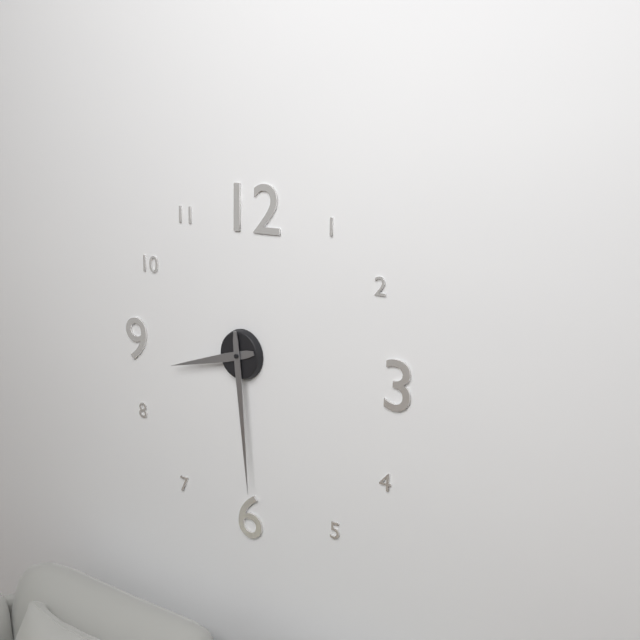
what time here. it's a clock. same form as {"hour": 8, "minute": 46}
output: {"hour": 8, "minute": 29}
